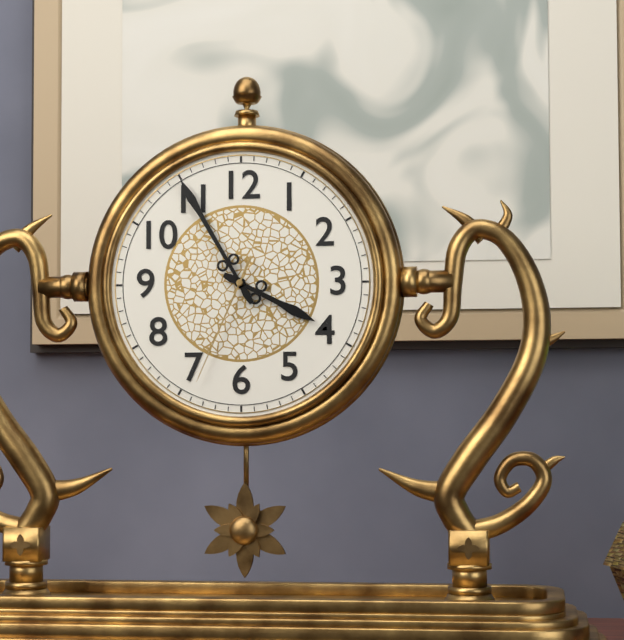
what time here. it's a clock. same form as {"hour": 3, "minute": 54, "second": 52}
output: {"hour": 3, "minute": 55, "second": 34}
